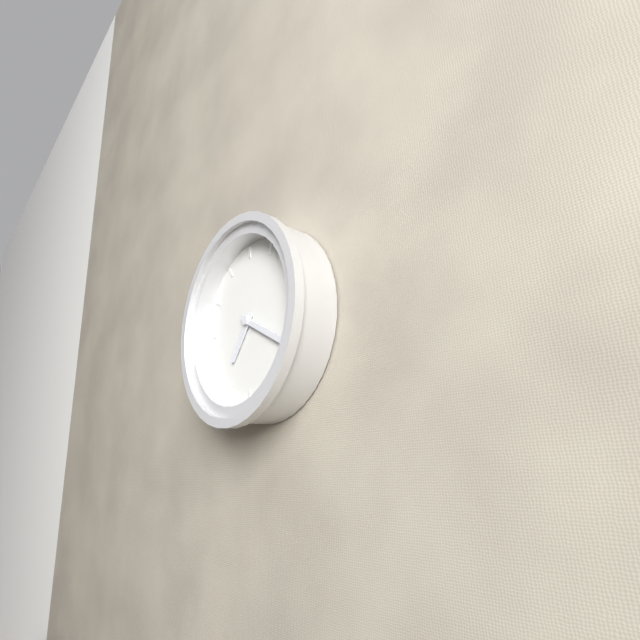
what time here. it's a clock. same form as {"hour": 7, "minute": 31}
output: {"hour": 7, "minute": 20}
